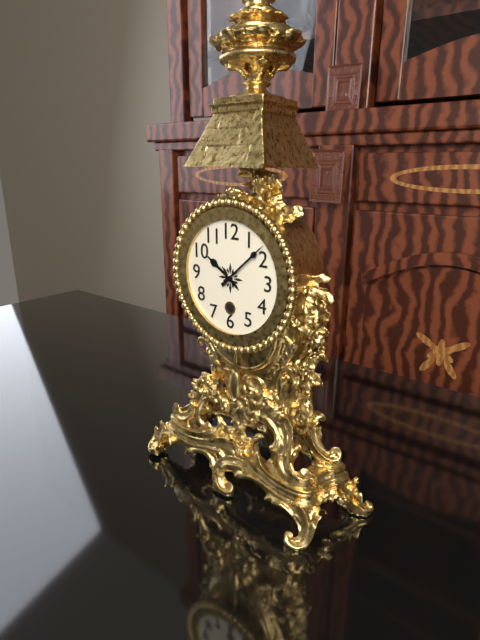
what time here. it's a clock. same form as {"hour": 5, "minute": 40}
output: {"hour": 10, "minute": 8}
